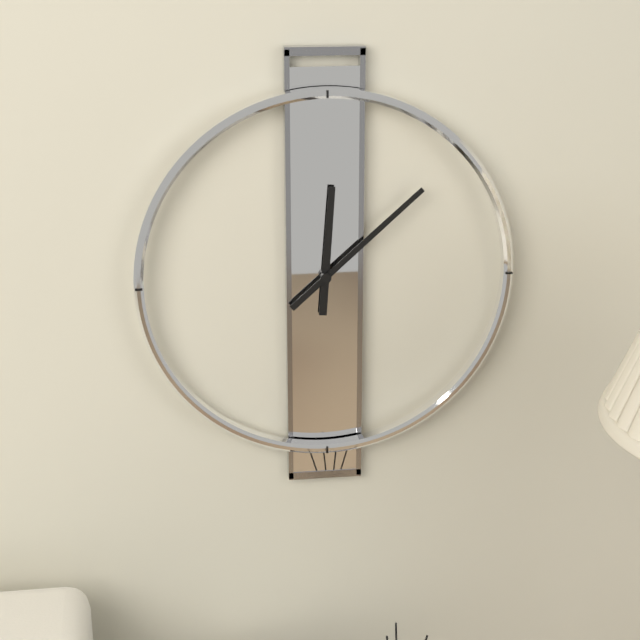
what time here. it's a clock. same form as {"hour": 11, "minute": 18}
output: {"hour": 12, "minute": 8}
